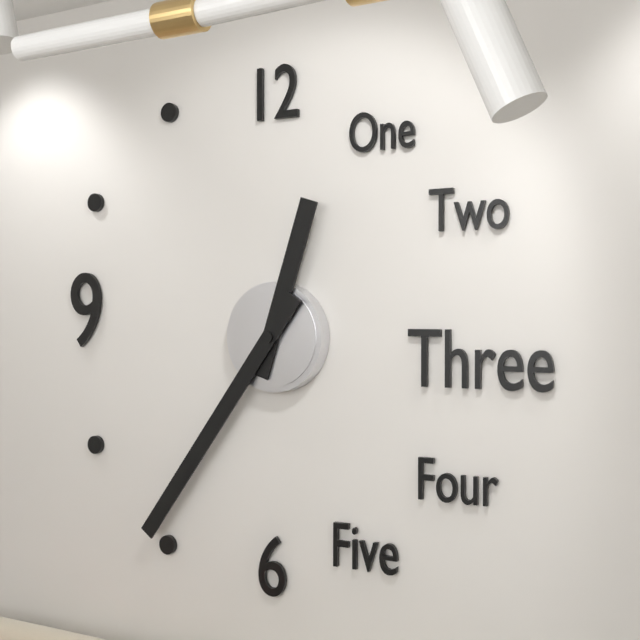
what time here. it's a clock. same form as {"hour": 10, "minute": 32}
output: {"hour": 12, "minute": 36}
